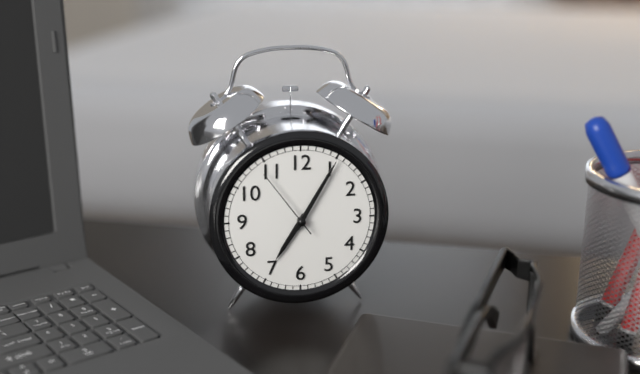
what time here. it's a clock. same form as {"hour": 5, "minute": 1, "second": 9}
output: {"hour": 7, "minute": 5, "second": 54}
